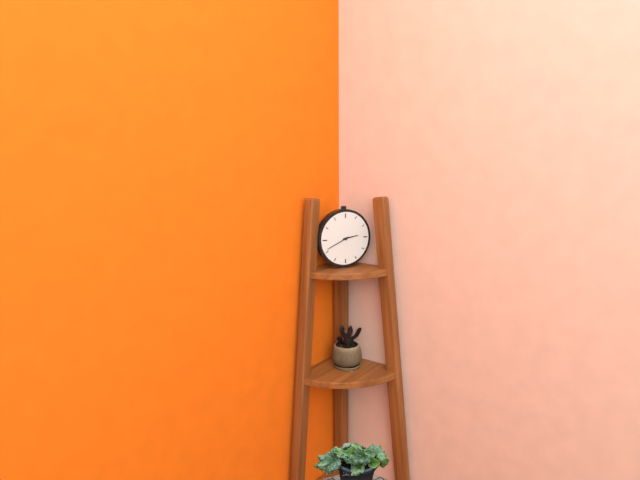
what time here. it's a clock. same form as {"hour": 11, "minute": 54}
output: {"hour": 2, "minute": 41}
